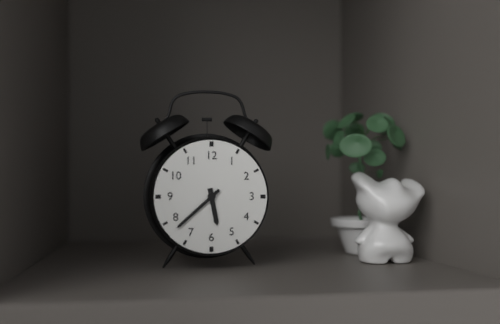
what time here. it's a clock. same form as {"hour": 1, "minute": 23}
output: {"hour": 5, "minute": 38}
